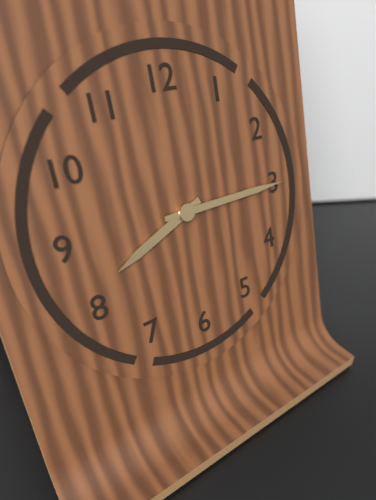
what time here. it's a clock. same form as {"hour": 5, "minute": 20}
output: {"hour": 8, "minute": 15}
